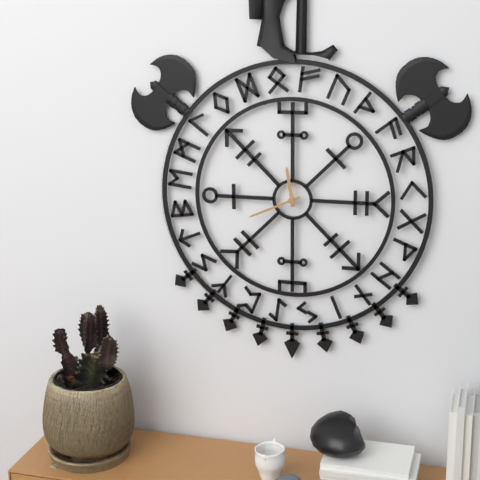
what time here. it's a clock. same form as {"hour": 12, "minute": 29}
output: {"hour": 11, "minute": 41}
